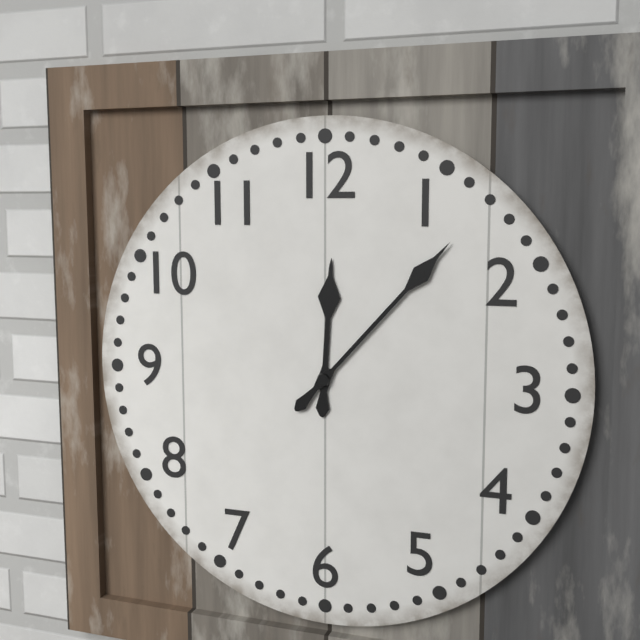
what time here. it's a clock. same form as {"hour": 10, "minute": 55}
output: {"hour": 12, "minute": 7}
